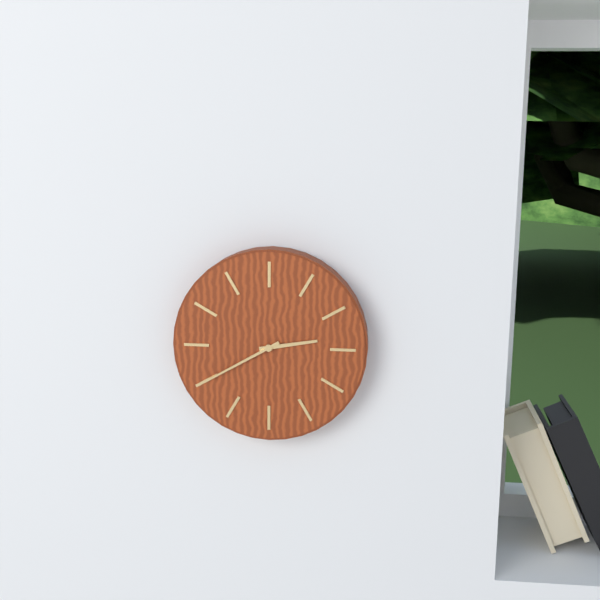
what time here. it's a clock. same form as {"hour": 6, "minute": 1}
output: {"hour": 2, "minute": 40}
